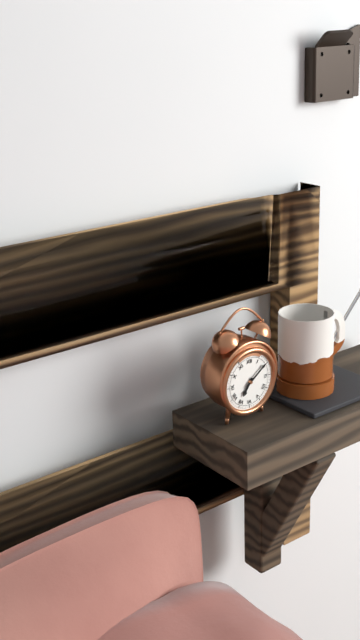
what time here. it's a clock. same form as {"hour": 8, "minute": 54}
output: {"hour": 7, "minute": 9}
